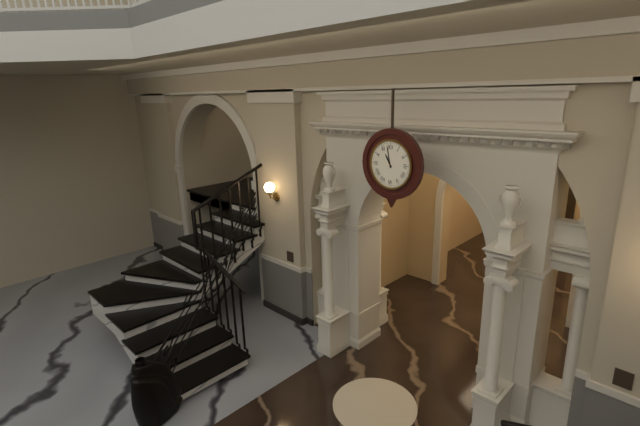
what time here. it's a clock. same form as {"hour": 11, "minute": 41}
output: {"hour": 10, "minute": 58}
